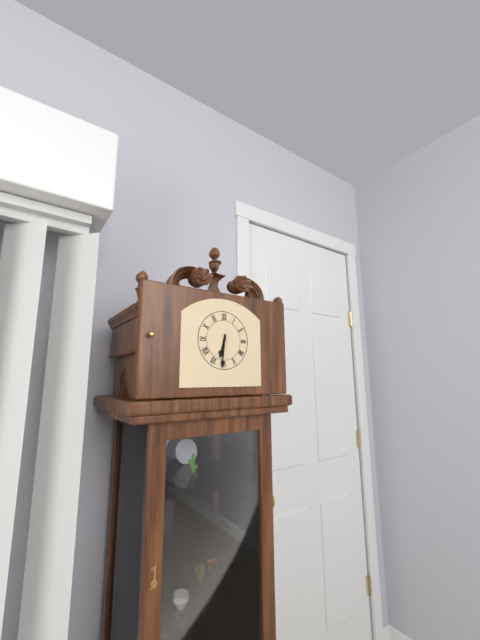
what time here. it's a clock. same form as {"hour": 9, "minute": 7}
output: {"hour": 6, "minute": 31}
